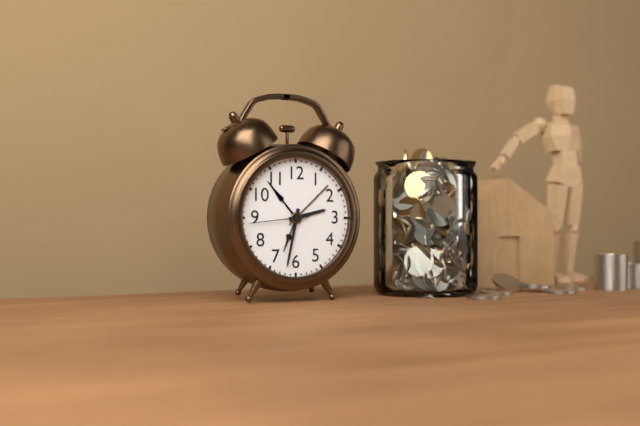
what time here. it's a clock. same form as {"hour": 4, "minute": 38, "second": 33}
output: {"hour": 2, "minute": 32, "second": 44}
